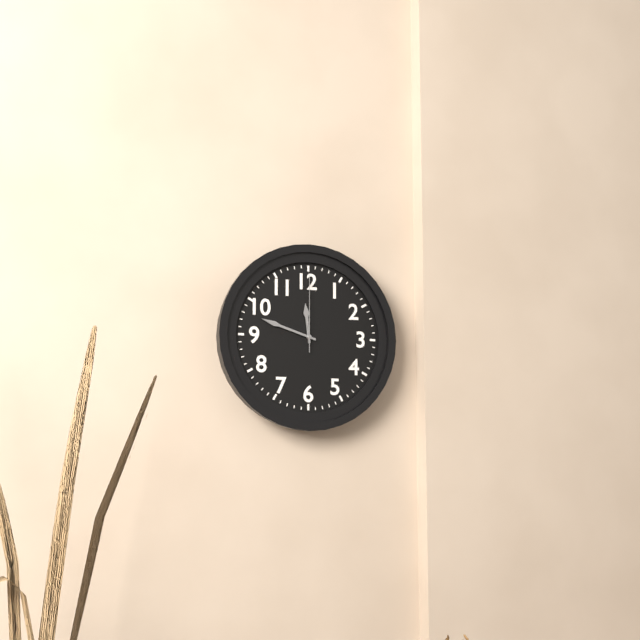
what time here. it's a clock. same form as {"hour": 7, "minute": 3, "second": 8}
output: {"hour": 11, "minute": 48, "second": 0}
